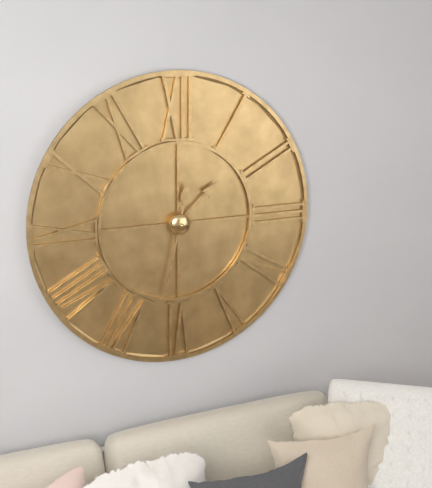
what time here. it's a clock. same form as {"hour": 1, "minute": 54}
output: {"hour": 1, "minute": 32}
